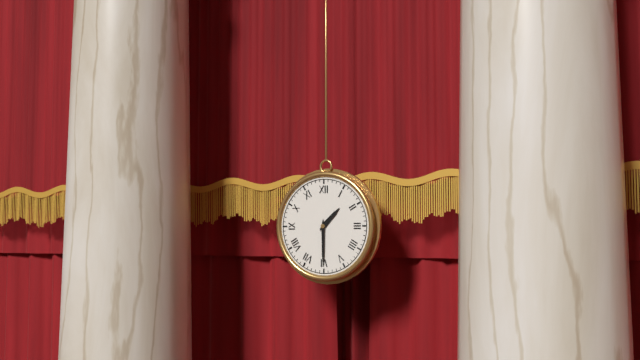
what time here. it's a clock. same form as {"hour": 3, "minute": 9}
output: {"hour": 1, "minute": 30}
